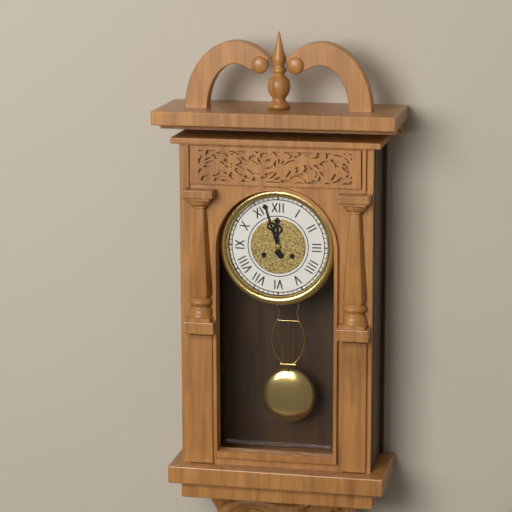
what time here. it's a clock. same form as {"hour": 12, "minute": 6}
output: {"hour": 11, "minute": 57}
